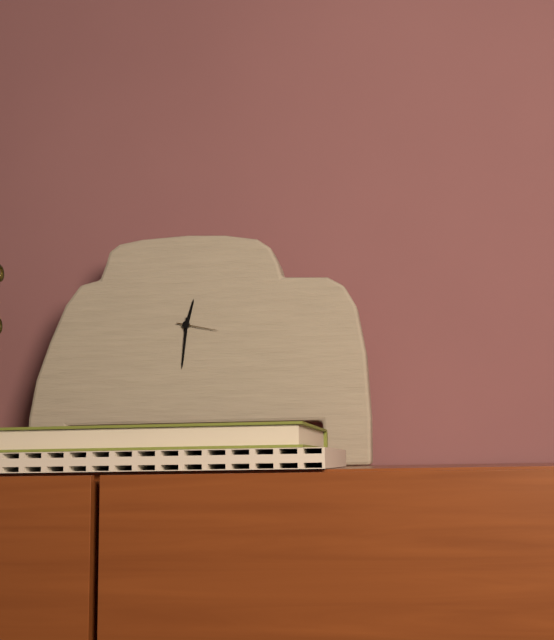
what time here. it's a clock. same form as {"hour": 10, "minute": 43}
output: {"hour": 12, "minute": 31}
